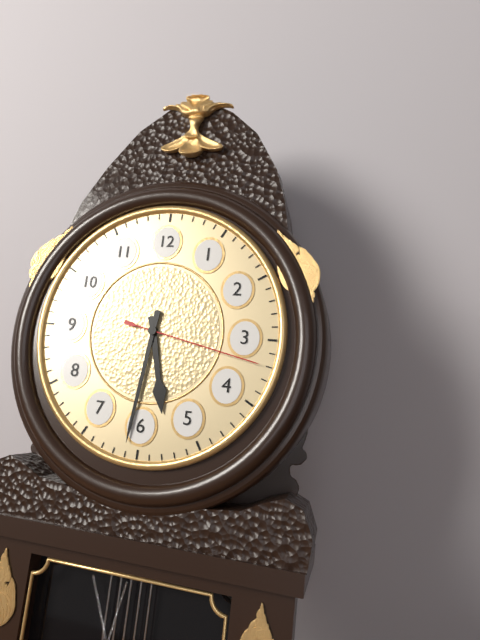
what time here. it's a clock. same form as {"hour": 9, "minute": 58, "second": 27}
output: {"hour": 5, "minute": 31, "second": 17}
